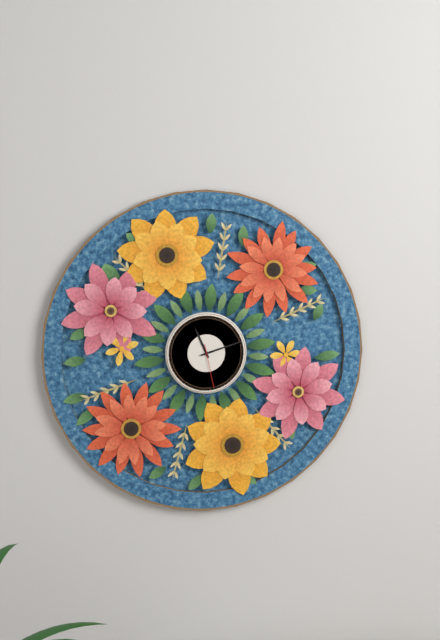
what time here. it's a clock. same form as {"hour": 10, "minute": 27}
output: {"hour": 11, "minute": 12}
